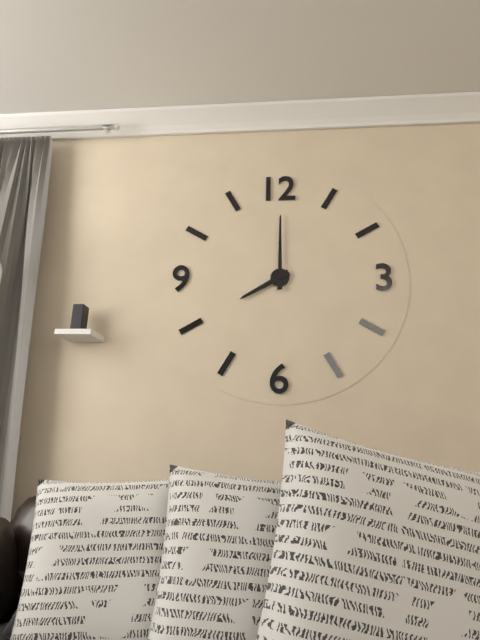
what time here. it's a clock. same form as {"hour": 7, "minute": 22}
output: {"hour": 8, "minute": 0}
